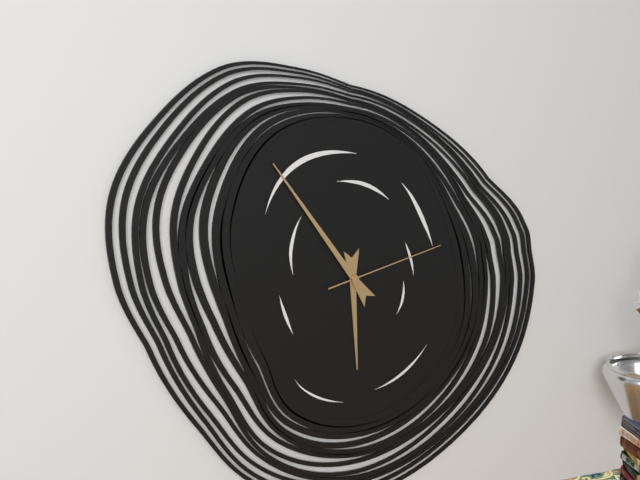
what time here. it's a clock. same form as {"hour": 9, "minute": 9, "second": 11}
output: {"hour": 5, "minute": 54, "second": 13}
